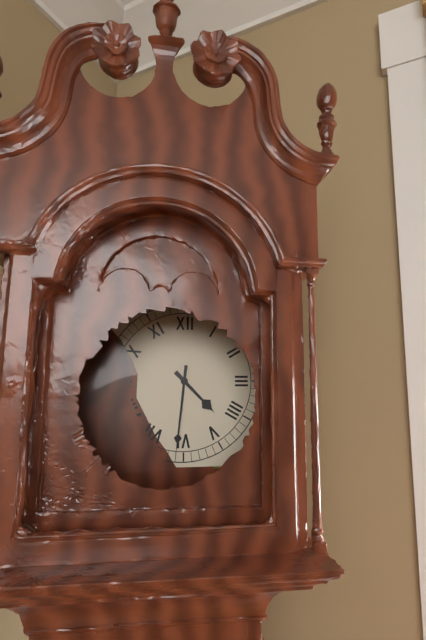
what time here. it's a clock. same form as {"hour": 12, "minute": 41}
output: {"hour": 4, "minute": 31}
